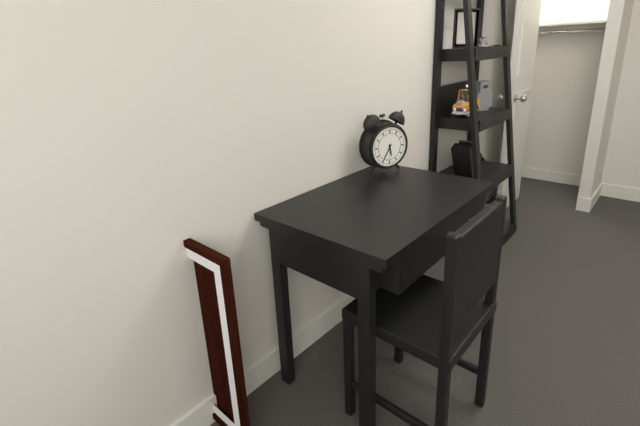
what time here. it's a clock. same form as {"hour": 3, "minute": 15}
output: {"hour": 5, "minute": 35}
